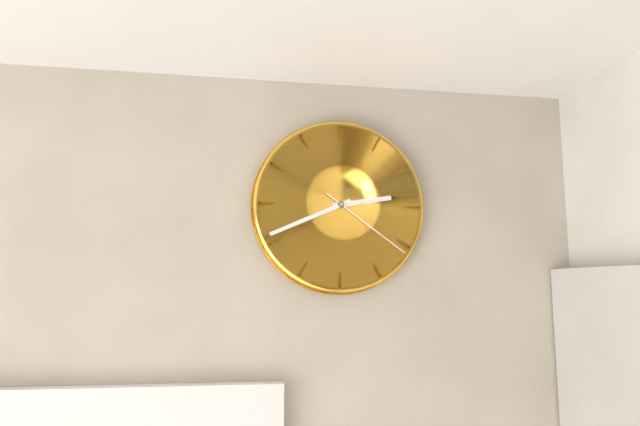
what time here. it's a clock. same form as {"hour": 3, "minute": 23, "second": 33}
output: {"hour": 2, "minute": 41, "second": 21}
